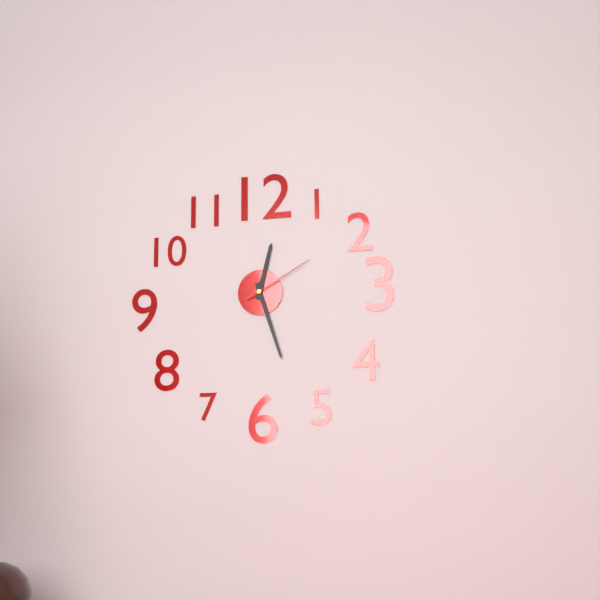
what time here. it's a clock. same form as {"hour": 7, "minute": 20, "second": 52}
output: {"hour": 12, "minute": 27, "second": 10}
